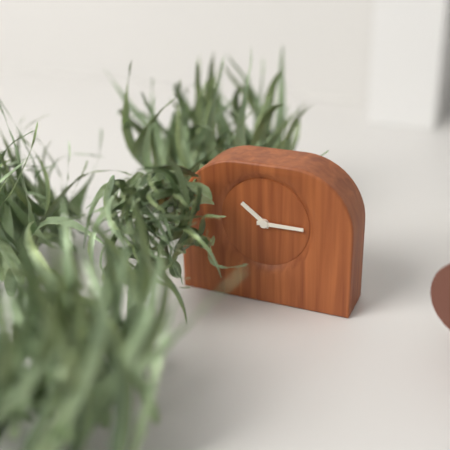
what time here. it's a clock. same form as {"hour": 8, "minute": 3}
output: {"hour": 10, "minute": 15}
